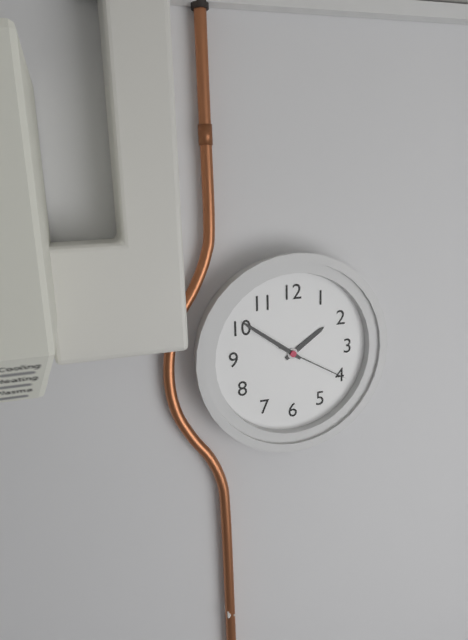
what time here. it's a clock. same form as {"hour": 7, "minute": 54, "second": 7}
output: {"hour": 1, "minute": 51, "second": 20}
